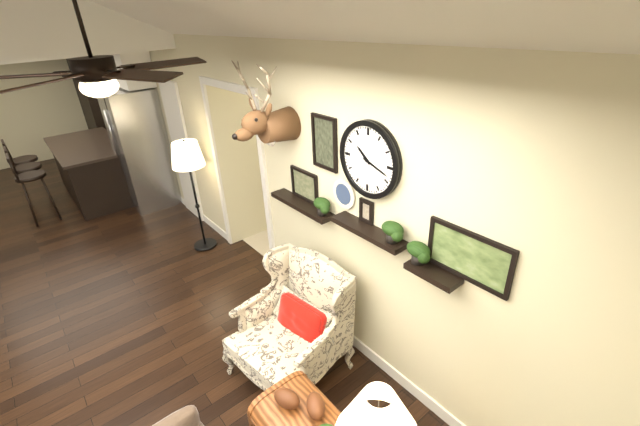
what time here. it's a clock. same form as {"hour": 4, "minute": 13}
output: {"hour": 10, "minute": 18}
